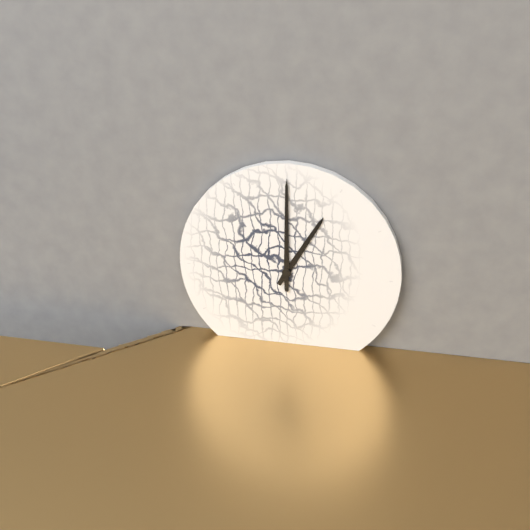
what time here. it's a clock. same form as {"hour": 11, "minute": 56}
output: {"hour": 1, "minute": 0}
